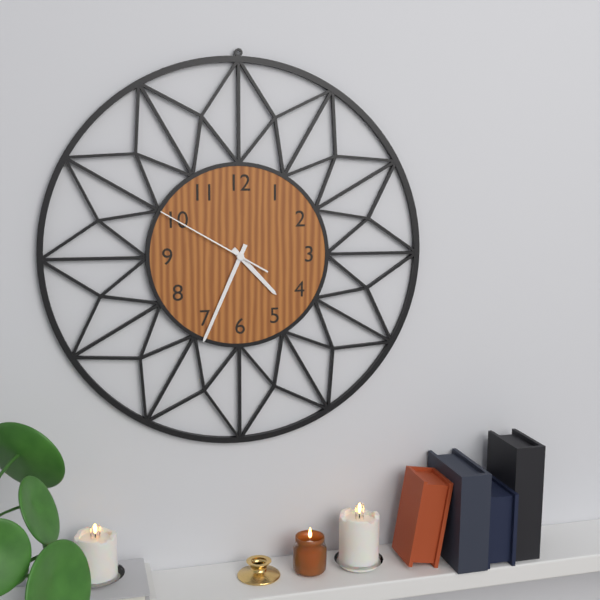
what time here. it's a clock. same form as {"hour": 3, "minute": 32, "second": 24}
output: {"hour": 4, "minute": 34, "second": 50}
